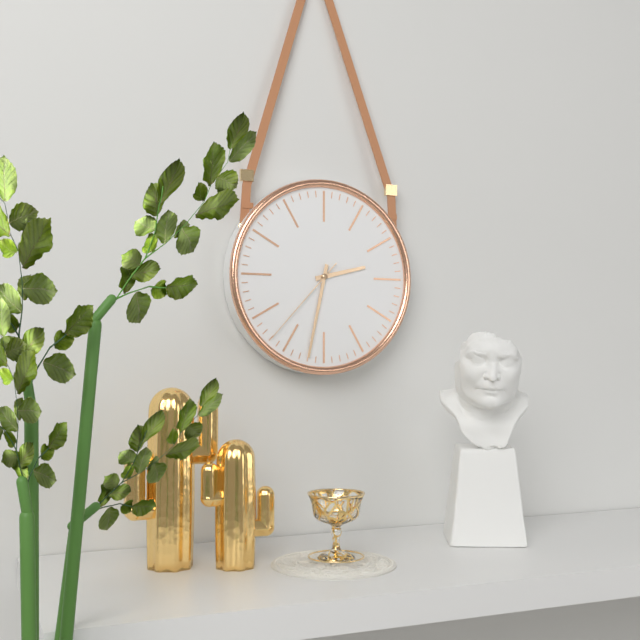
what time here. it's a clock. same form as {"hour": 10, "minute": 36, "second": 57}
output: {"hour": 2, "minute": 32, "second": 37}
